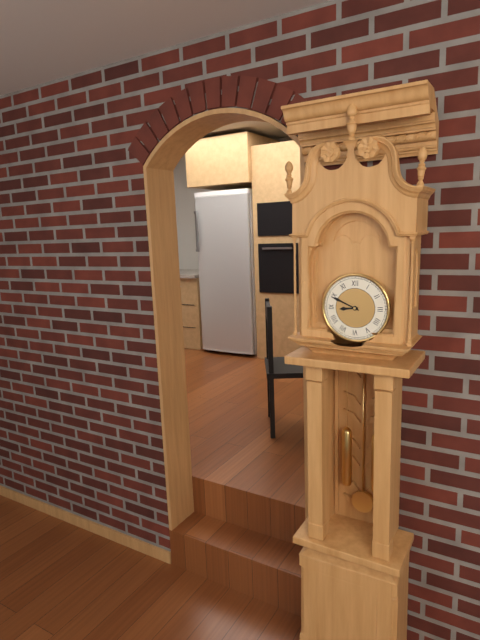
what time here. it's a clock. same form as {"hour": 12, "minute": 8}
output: {"hour": 8, "minute": 49}
